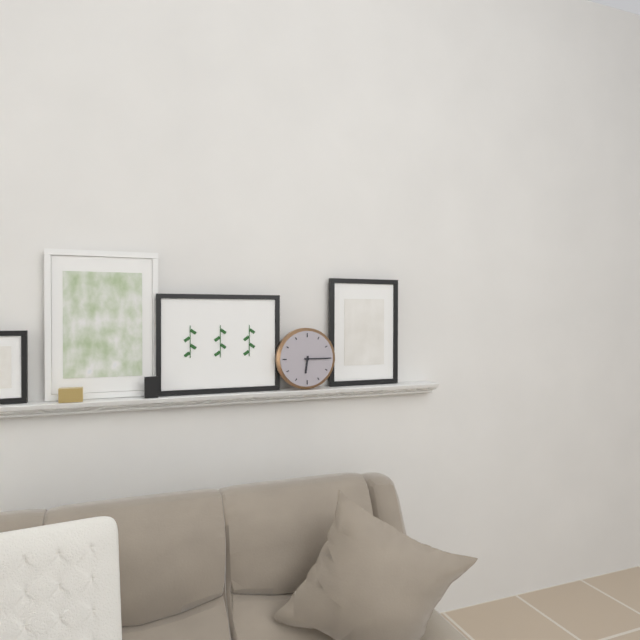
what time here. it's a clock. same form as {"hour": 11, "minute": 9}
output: {"hour": 6, "minute": 15}
